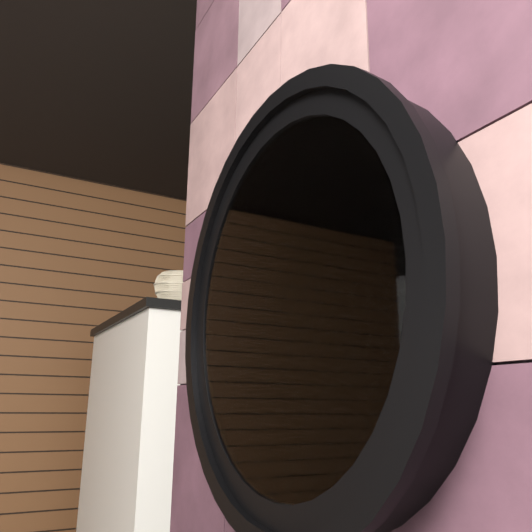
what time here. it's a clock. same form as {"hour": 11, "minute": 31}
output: {"hour": 12, "minute": 27}
